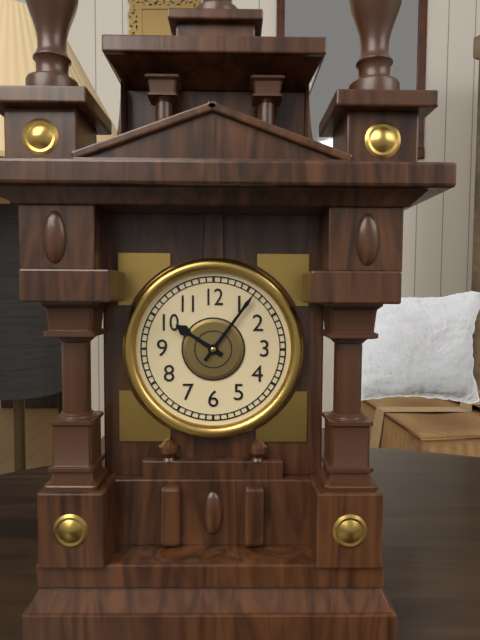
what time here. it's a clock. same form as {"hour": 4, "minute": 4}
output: {"hour": 10, "minute": 6}
